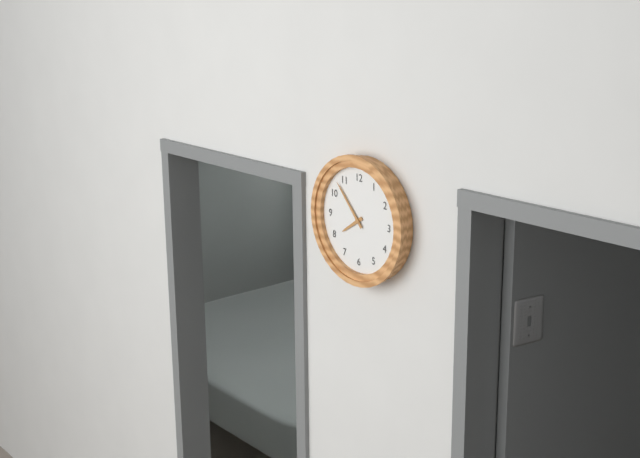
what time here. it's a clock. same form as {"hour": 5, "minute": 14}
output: {"hour": 7, "minute": 53}
